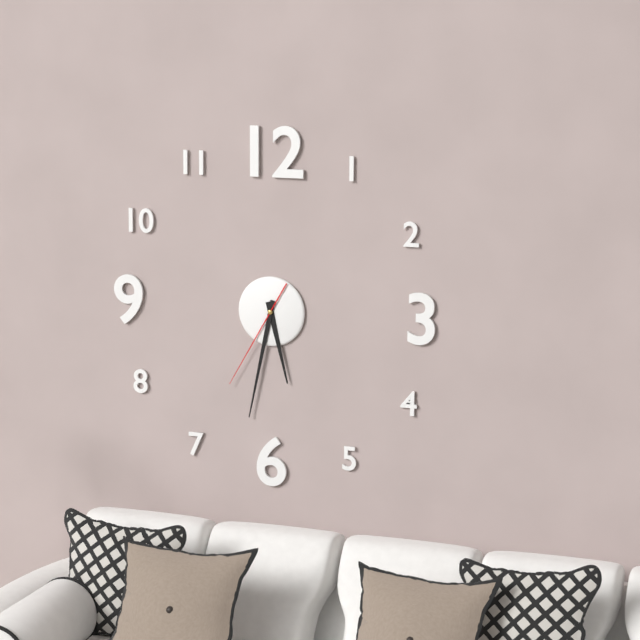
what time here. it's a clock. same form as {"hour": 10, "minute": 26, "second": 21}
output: {"hour": 5, "minute": 32, "second": 35}
